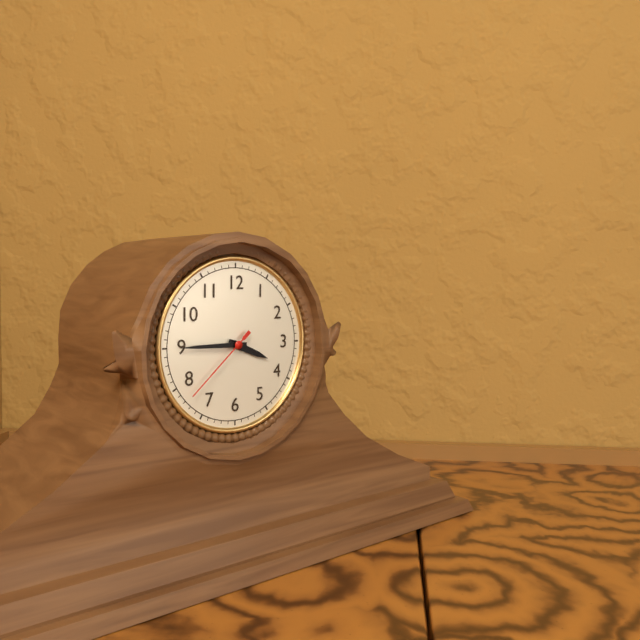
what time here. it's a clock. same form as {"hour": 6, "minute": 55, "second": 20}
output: {"hour": 3, "minute": 45, "second": 38}
